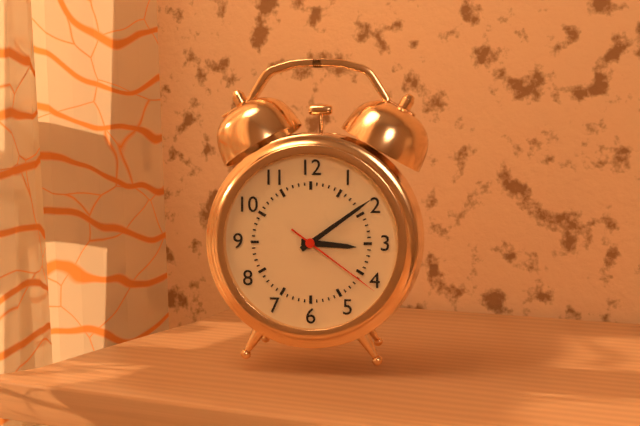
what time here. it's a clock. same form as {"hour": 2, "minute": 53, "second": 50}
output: {"hour": 3, "minute": 9, "second": 21}
